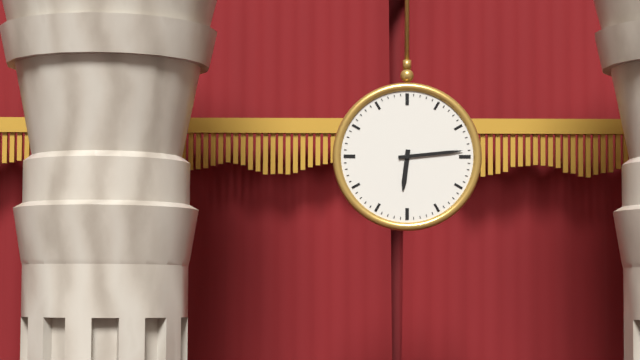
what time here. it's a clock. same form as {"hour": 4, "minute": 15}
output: {"hour": 6, "minute": 14}
